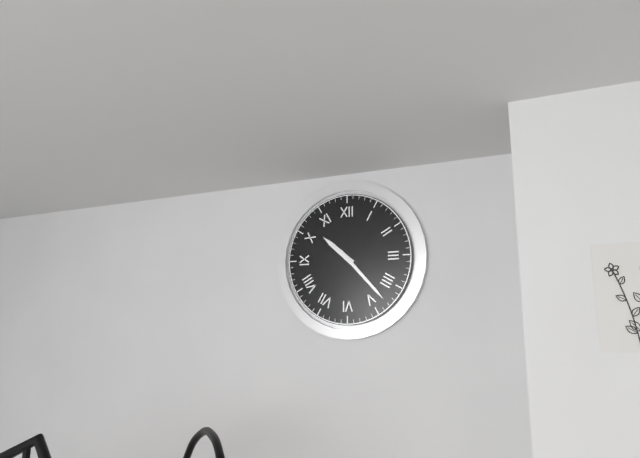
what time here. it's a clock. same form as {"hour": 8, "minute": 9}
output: {"hour": 10, "minute": 23}
